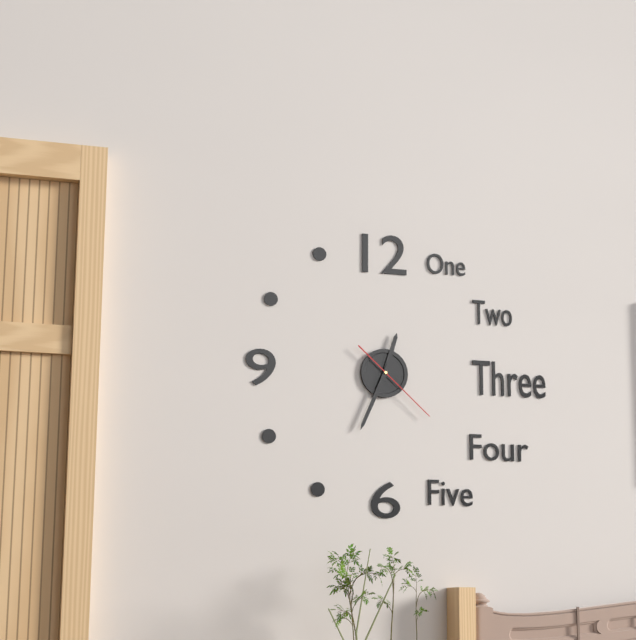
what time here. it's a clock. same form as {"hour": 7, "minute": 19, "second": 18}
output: {"hour": 12, "minute": 34, "second": 22}
